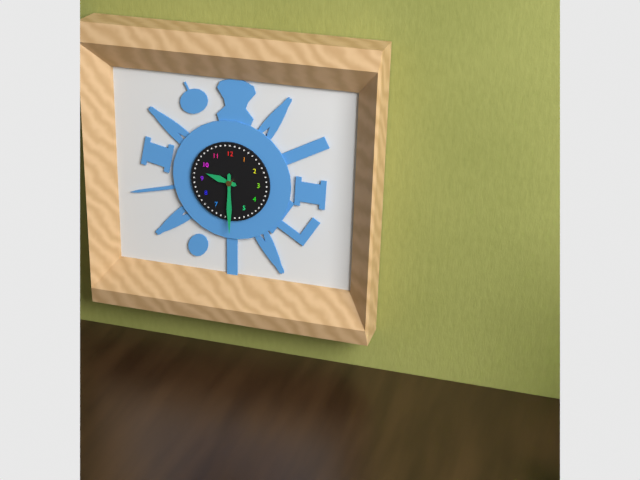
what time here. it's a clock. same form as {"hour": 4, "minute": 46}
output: {"hour": 9, "minute": 30}
